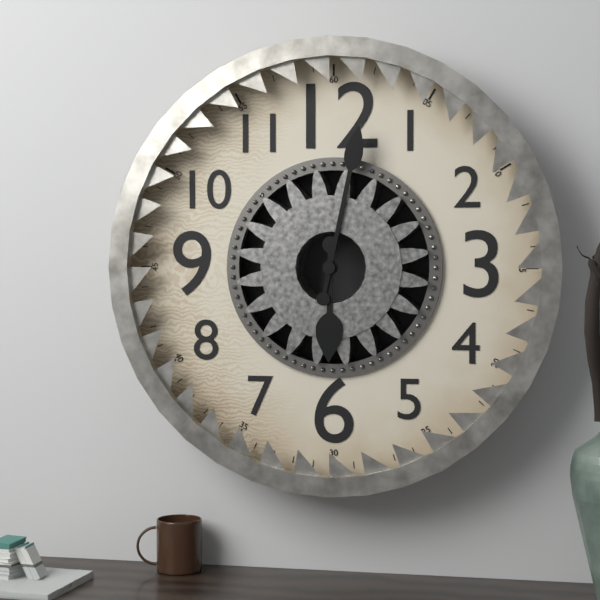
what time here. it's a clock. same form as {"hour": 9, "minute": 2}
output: {"hour": 6, "minute": 2}
